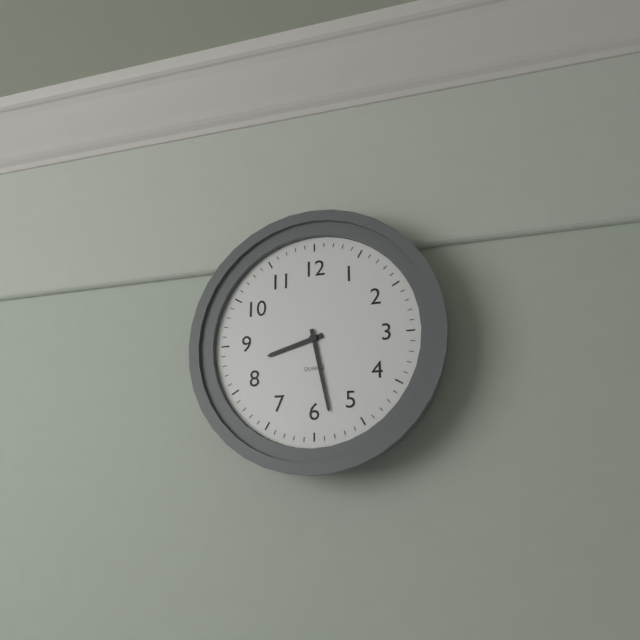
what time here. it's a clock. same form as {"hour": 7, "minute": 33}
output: {"hour": 8, "minute": 28}
